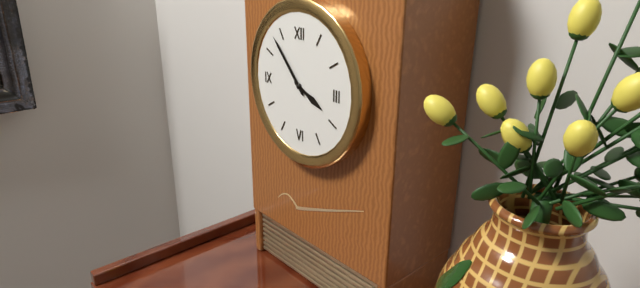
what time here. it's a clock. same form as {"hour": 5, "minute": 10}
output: {"hour": 3, "minute": 53}
